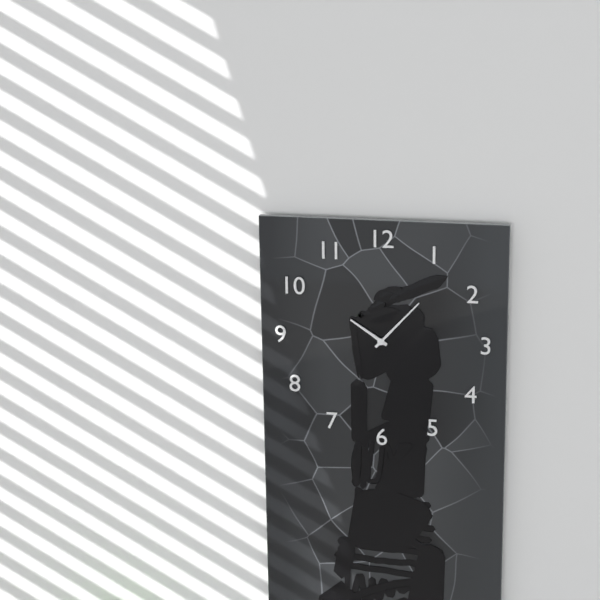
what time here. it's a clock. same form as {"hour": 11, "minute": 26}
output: {"hour": 10, "minute": 7}
